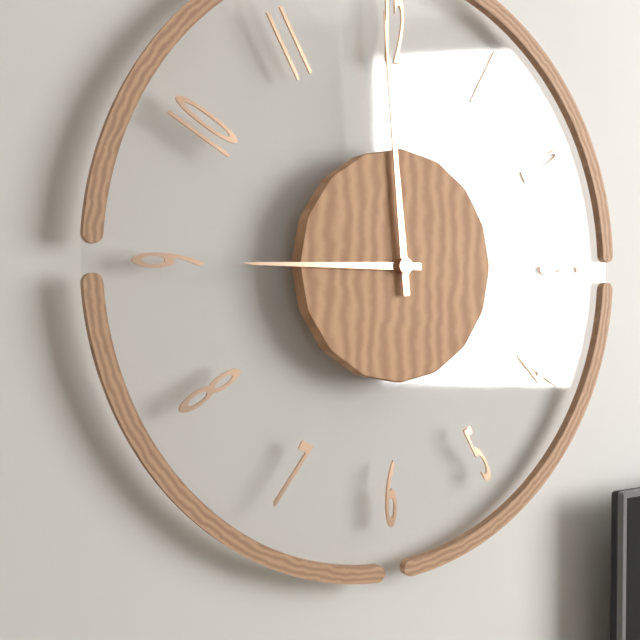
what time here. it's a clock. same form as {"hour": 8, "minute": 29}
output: {"hour": 8, "minute": 59}
